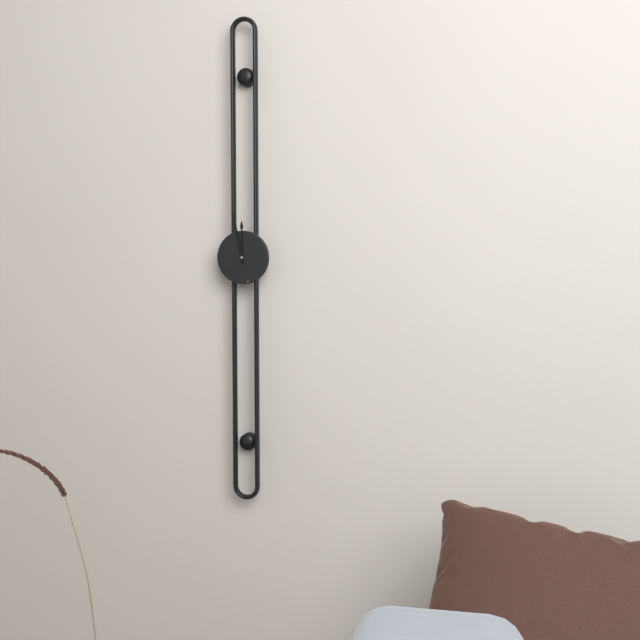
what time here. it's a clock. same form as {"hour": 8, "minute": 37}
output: {"hour": 11, "minute": 58}
